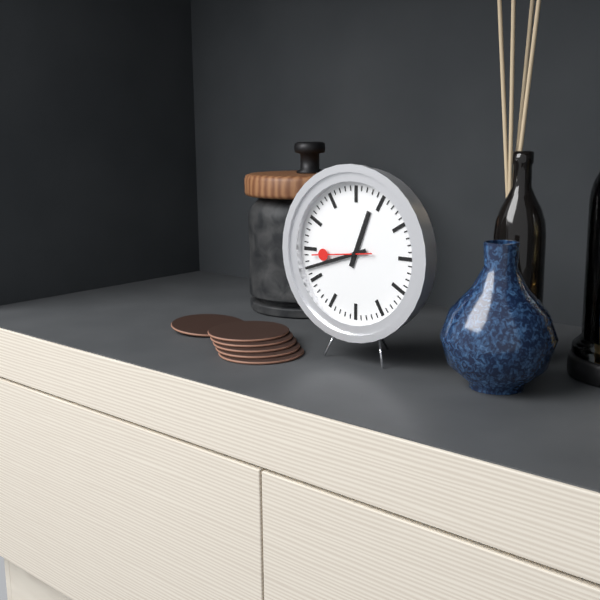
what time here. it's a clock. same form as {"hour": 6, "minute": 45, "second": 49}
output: {"hour": 12, "minute": 42, "second": 44}
